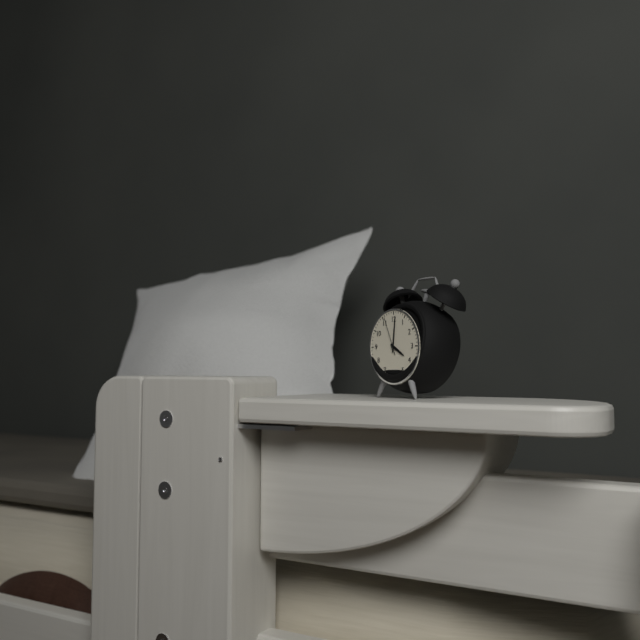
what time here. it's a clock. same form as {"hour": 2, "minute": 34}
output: {"hour": 4, "minute": 1}
